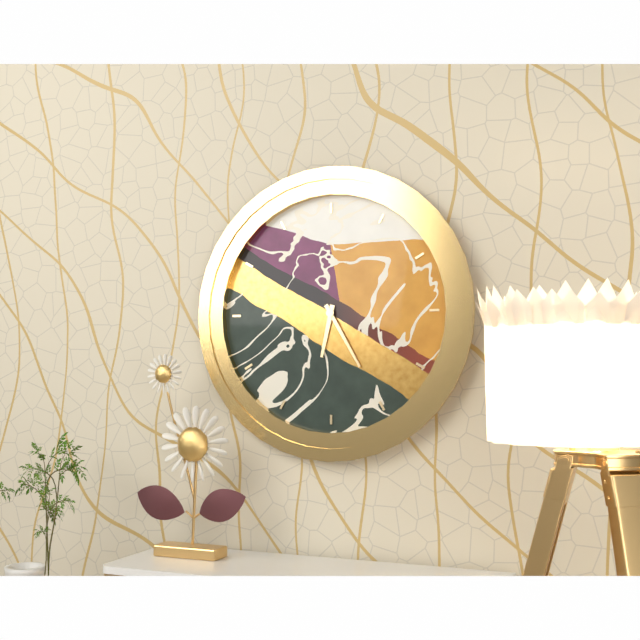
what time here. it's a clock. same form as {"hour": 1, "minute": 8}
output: {"hour": 6, "minute": 25}
